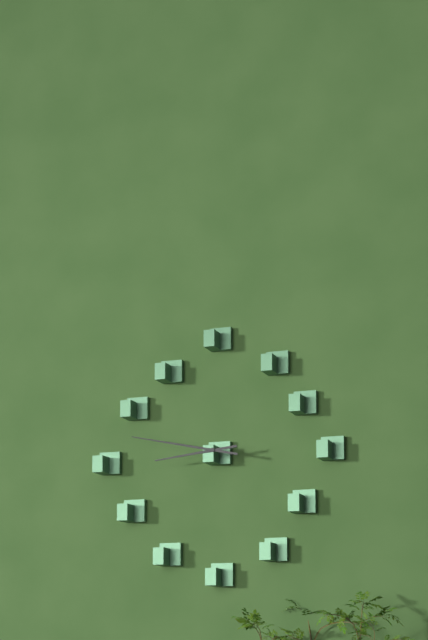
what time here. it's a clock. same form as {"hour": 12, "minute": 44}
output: {"hour": 8, "minute": 47}
